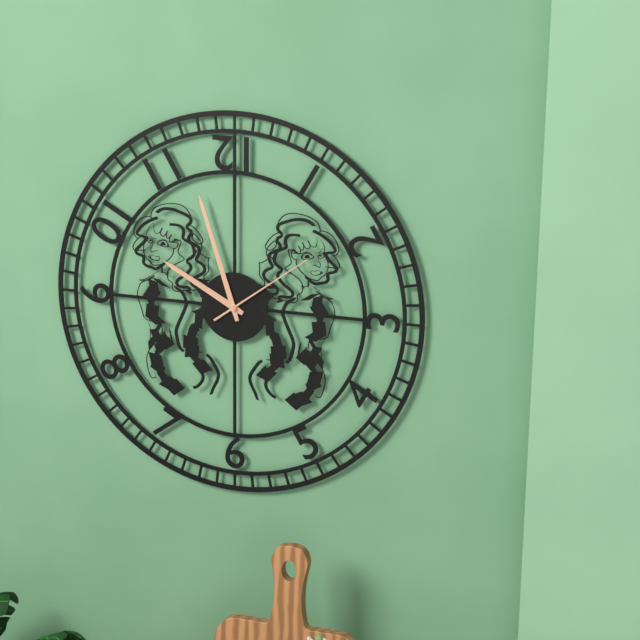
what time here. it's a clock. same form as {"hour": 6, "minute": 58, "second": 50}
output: {"hour": 9, "minute": 57, "second": 9}
